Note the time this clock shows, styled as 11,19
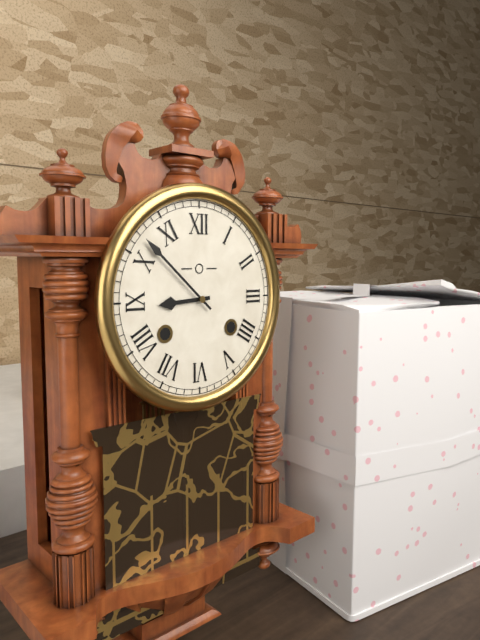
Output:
8,52
